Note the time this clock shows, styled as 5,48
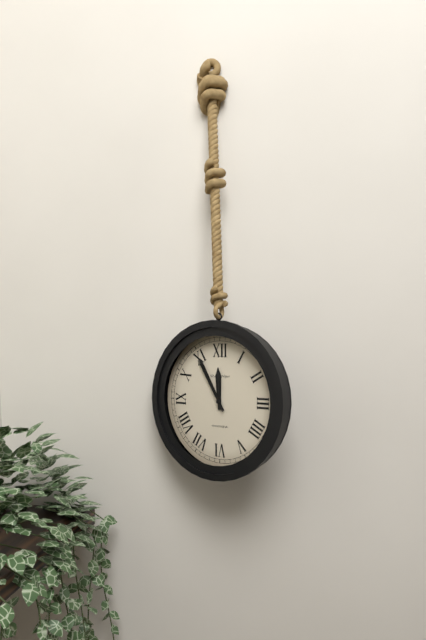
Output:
11,55
